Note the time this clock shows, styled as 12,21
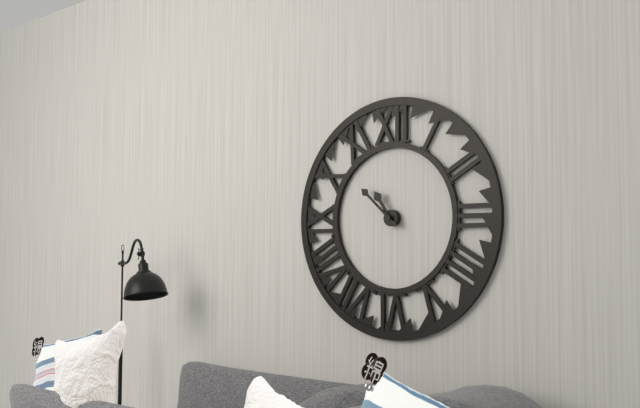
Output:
10,52
